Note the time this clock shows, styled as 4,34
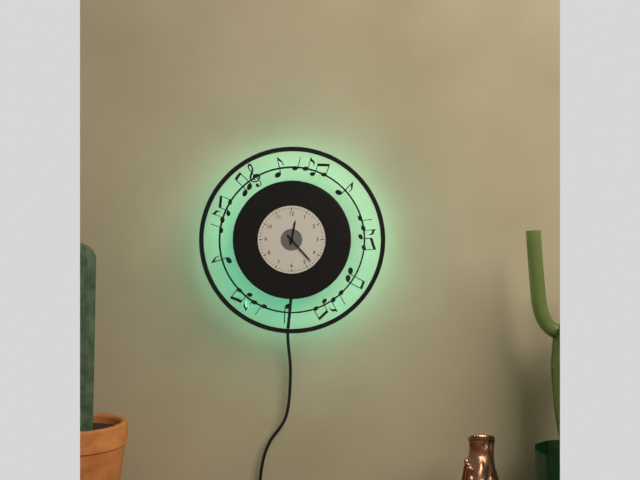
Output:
12,23
